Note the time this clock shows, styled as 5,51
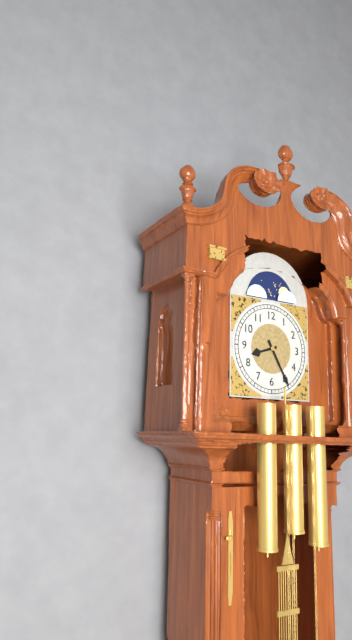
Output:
8,25
